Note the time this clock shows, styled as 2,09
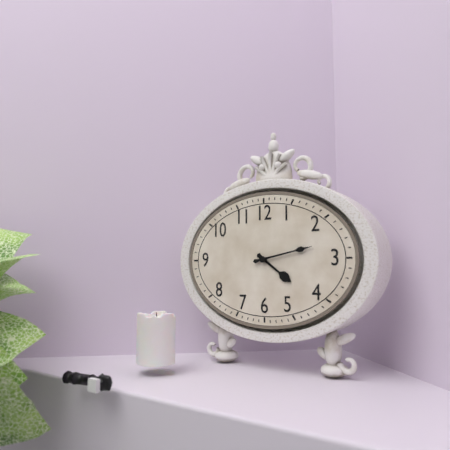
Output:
4,13
